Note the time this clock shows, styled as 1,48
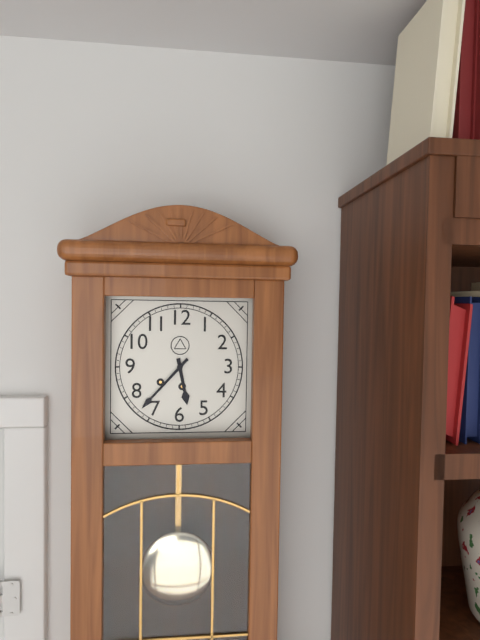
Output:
5,37
